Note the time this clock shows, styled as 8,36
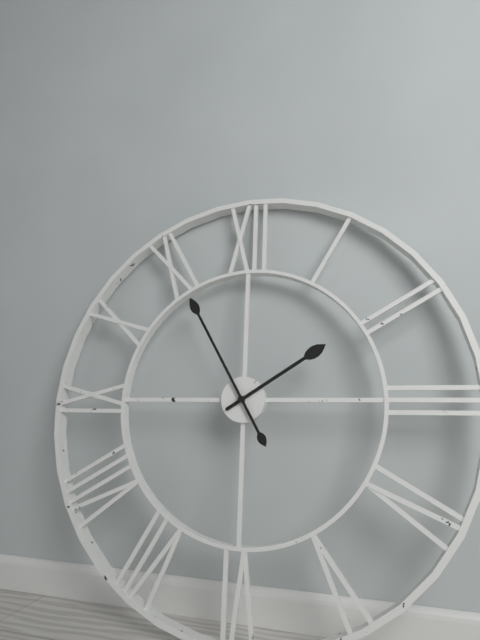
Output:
1,55
